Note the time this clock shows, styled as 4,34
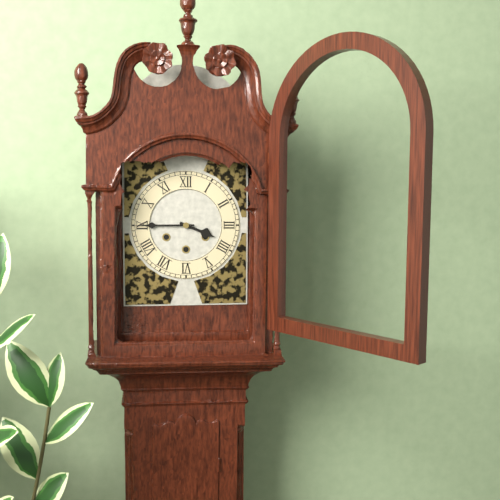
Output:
3,45
